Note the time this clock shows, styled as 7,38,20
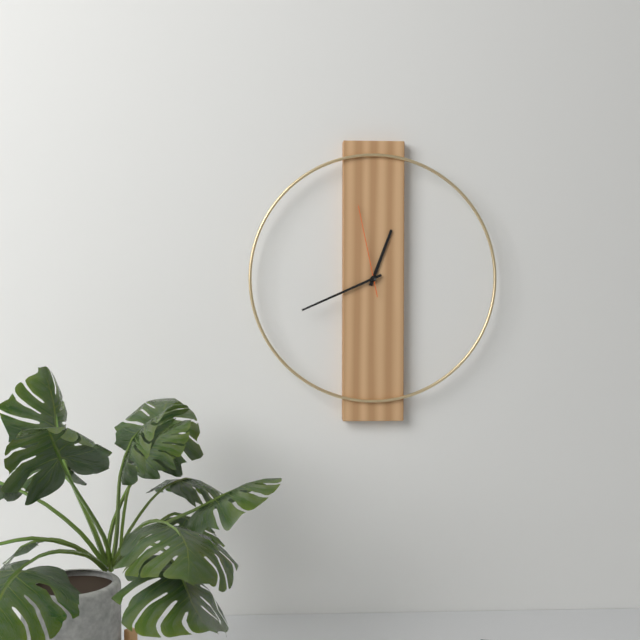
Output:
12,41,58
